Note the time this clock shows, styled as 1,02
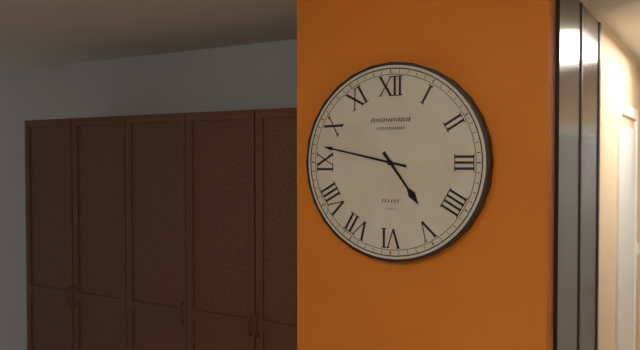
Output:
4,47
